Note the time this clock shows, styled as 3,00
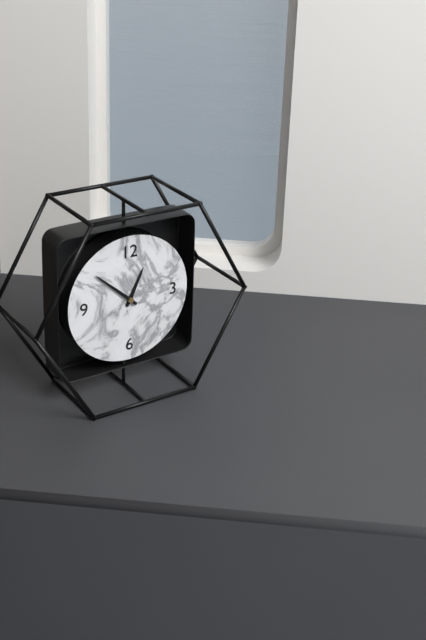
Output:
12,52
